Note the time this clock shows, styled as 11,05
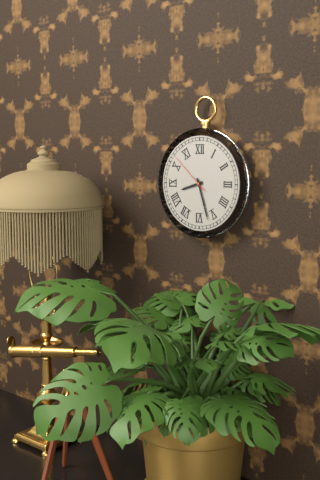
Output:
8,27
